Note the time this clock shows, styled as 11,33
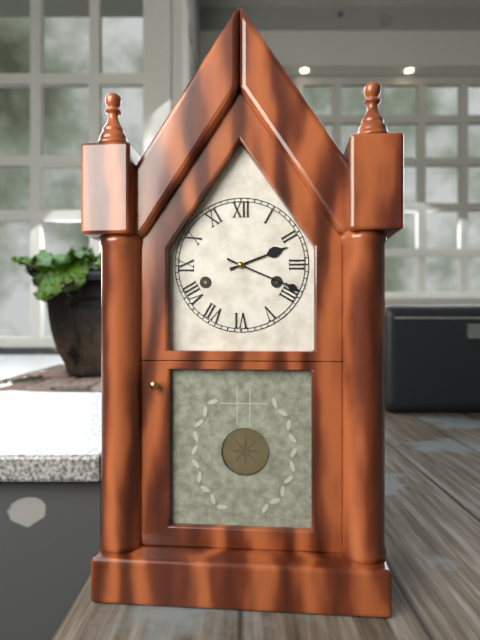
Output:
2,19
